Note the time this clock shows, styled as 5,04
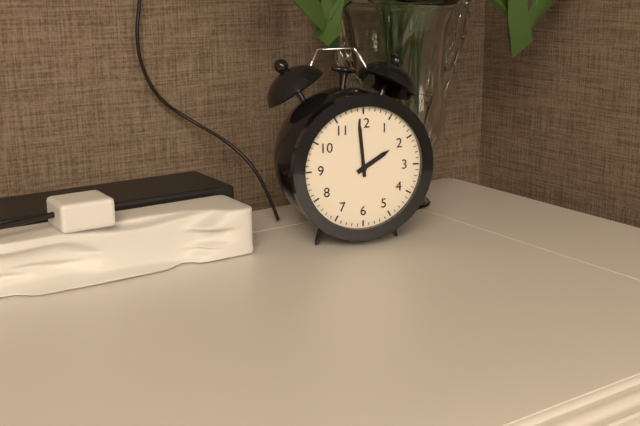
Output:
1,59
